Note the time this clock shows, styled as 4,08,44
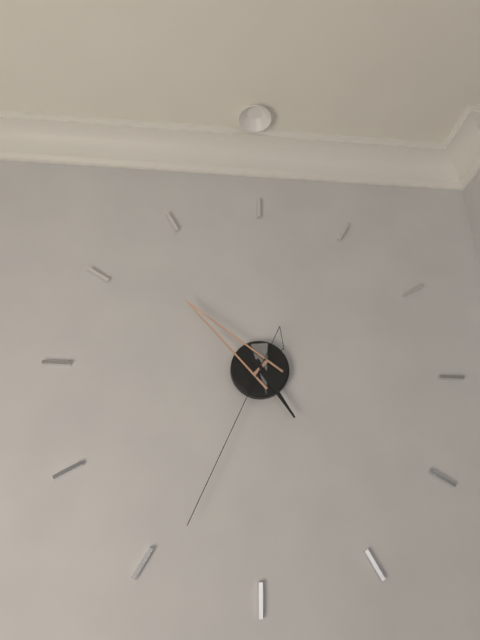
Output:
4,52,34
